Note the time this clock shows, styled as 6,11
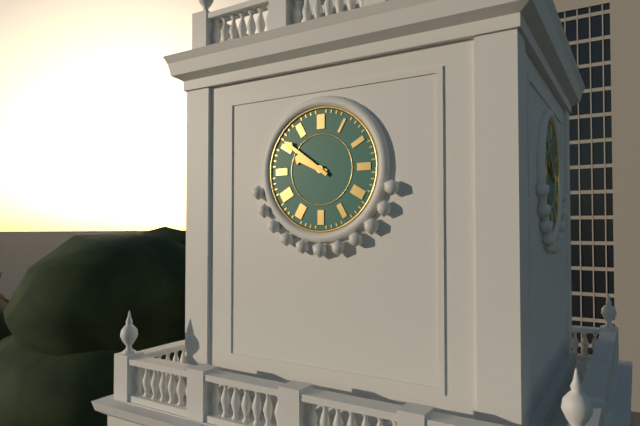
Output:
9,51
